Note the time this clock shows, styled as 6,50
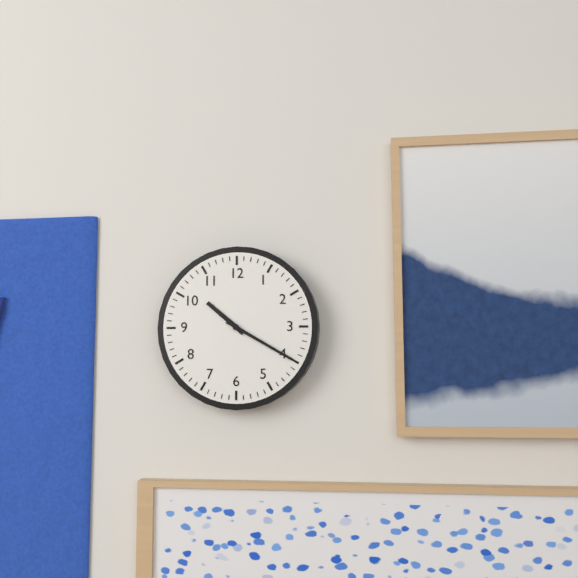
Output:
10,20
